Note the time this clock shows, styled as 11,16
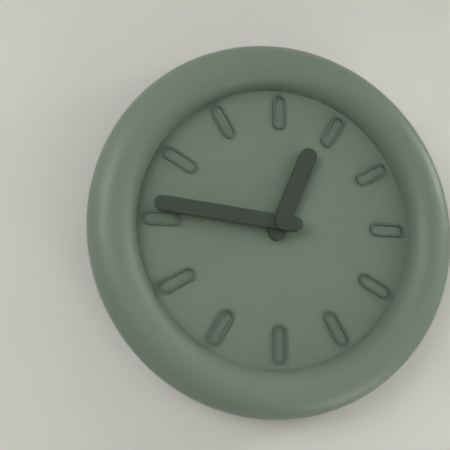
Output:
12,46
